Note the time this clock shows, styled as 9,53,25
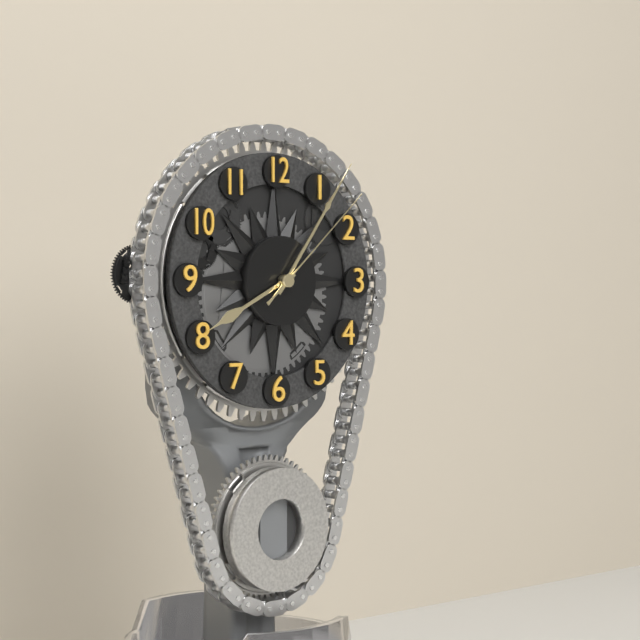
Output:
8,06,08
